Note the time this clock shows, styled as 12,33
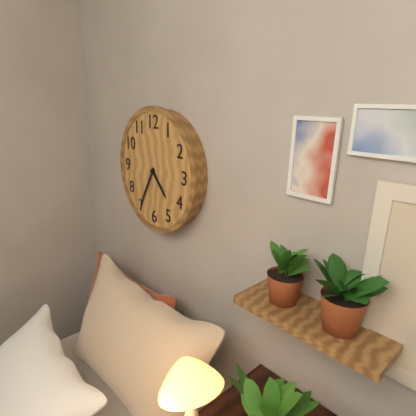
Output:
4,35
